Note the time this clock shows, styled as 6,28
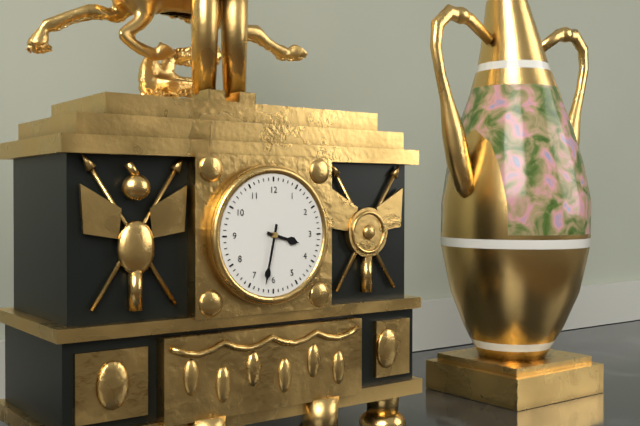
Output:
3,32
